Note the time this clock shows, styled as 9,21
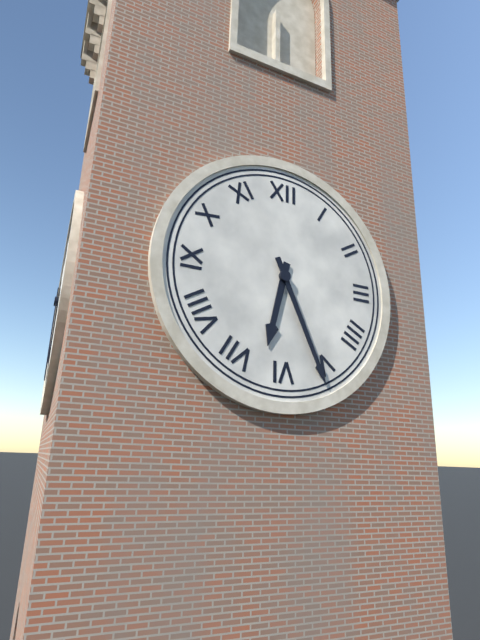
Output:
6,26
